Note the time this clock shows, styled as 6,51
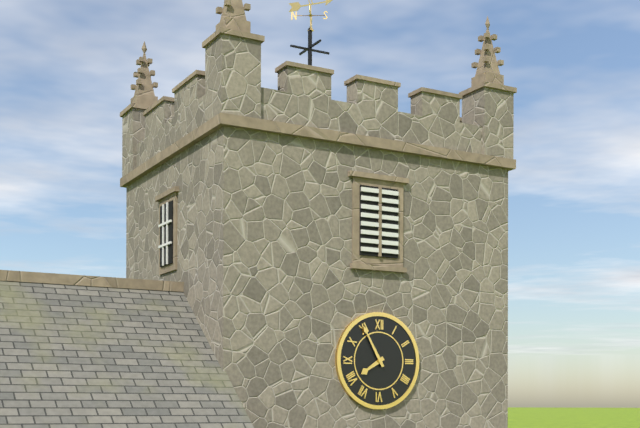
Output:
7,55
